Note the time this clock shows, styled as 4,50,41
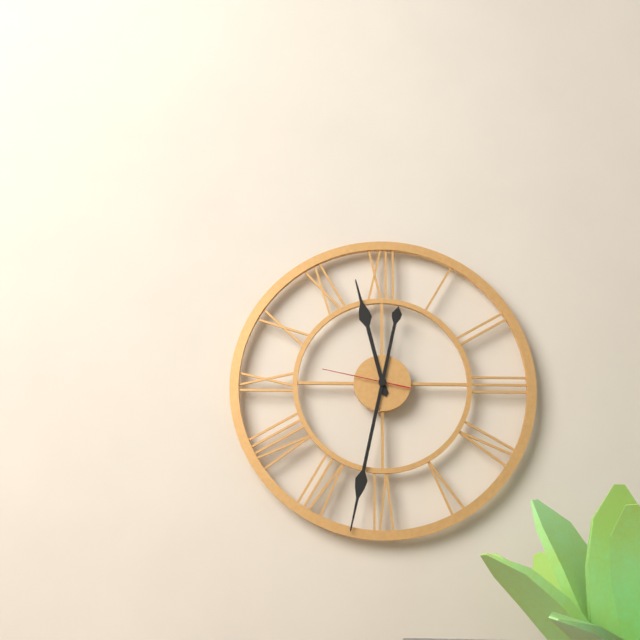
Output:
11,32,47
